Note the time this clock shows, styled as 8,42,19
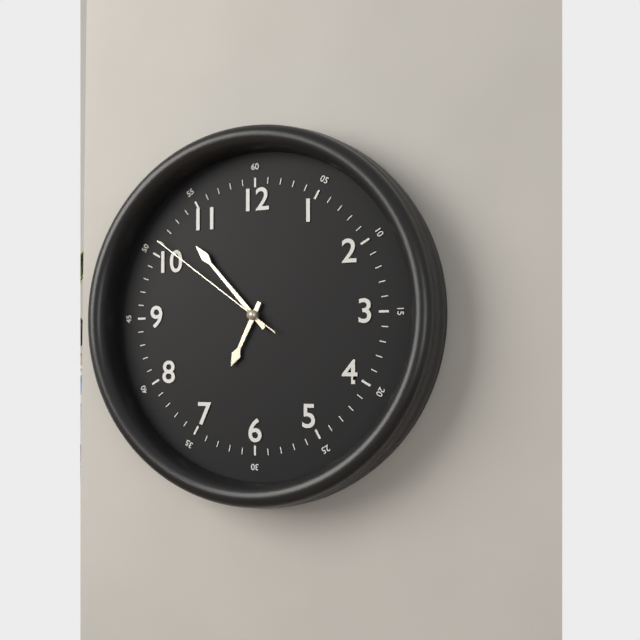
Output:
6,53,51
